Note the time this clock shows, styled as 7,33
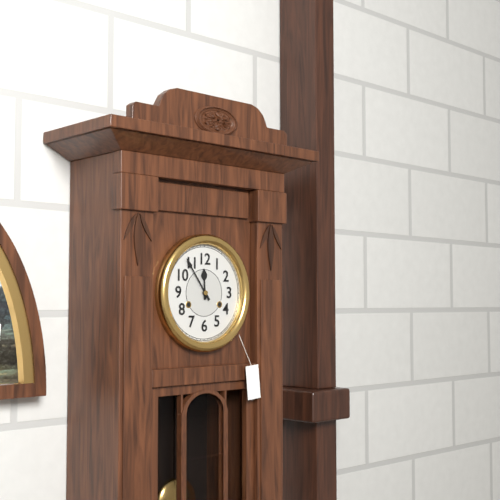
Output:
11,54
